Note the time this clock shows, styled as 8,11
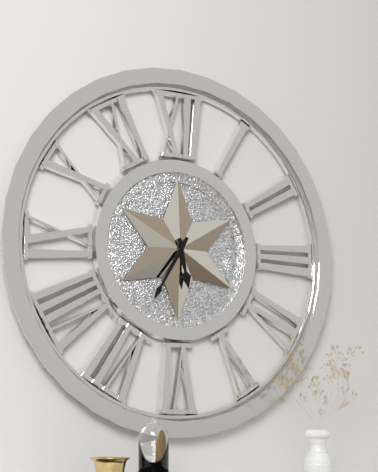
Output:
5,35
